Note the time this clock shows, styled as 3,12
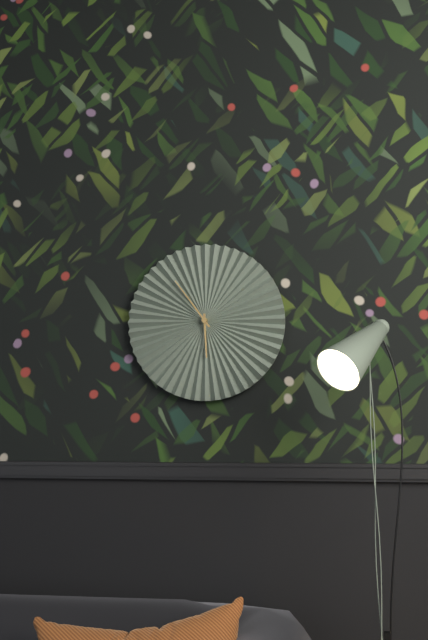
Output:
5,54
